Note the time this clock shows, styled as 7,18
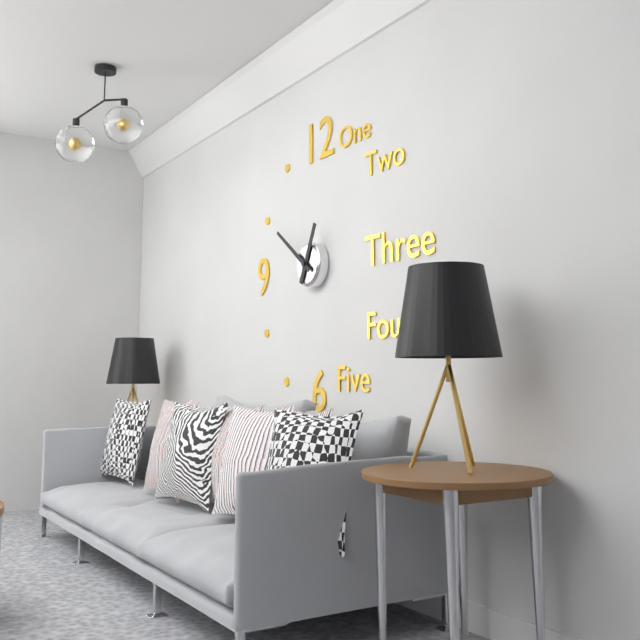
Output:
12,51
